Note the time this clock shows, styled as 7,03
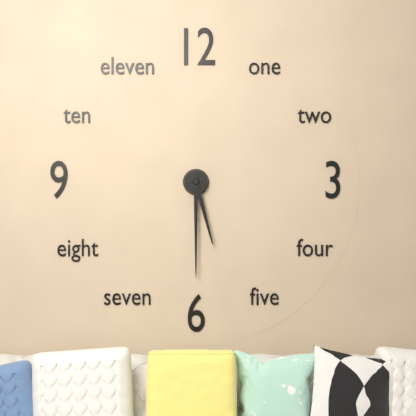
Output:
5,30
